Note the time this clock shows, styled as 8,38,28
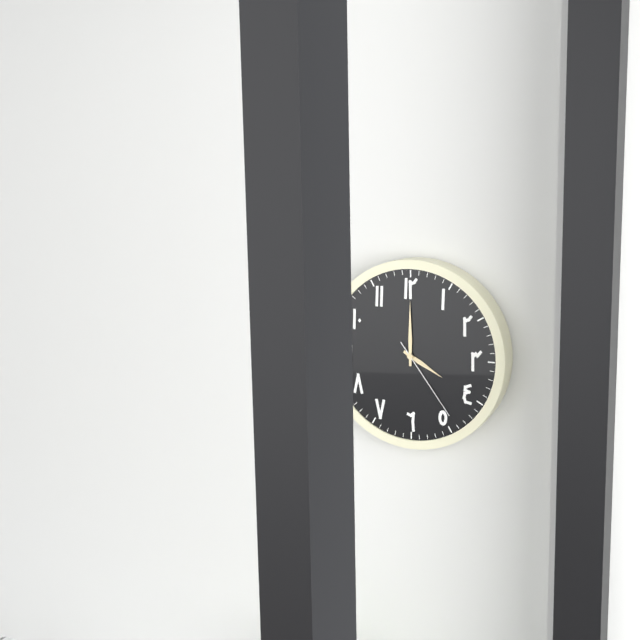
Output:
4,00,24
